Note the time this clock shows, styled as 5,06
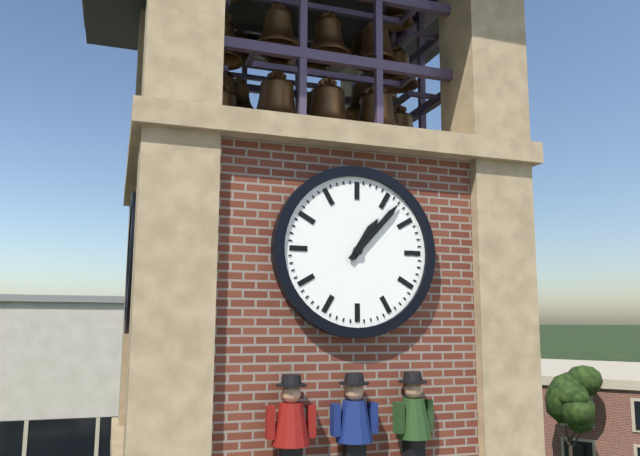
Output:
1,07
